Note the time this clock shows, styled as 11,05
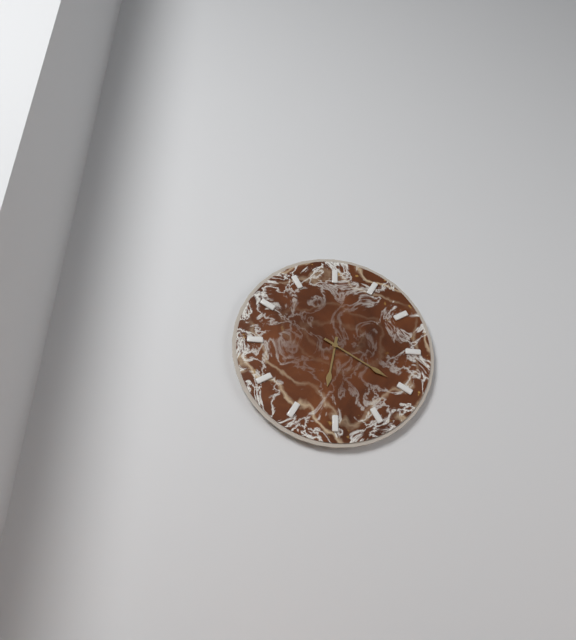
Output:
6,20
